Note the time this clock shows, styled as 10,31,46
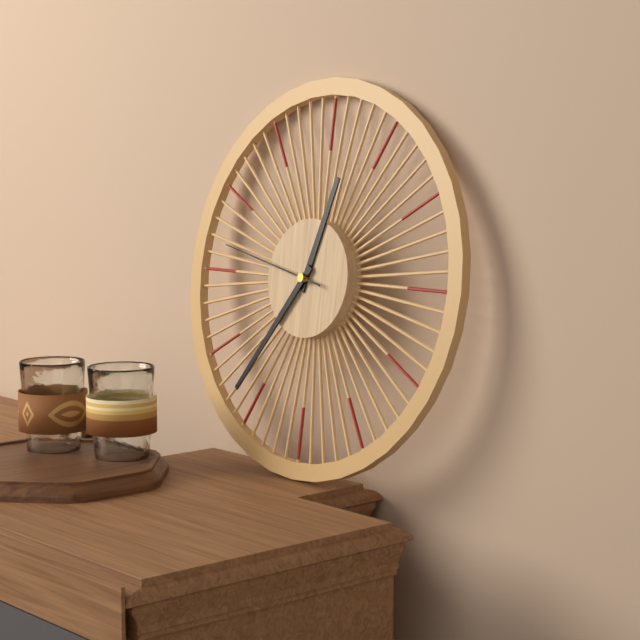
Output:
12,36,47
